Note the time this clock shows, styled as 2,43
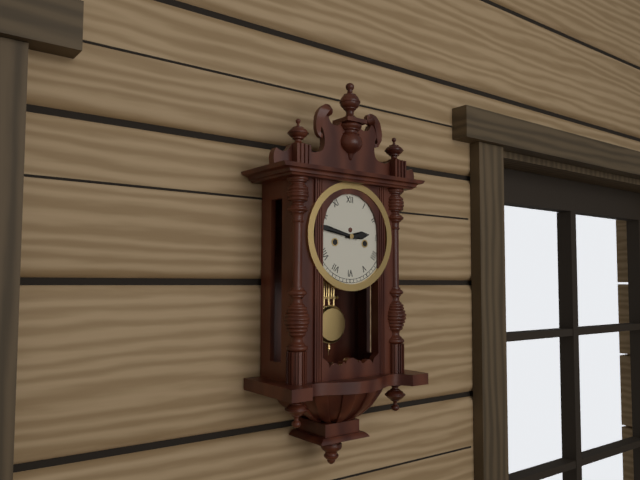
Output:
2,47
